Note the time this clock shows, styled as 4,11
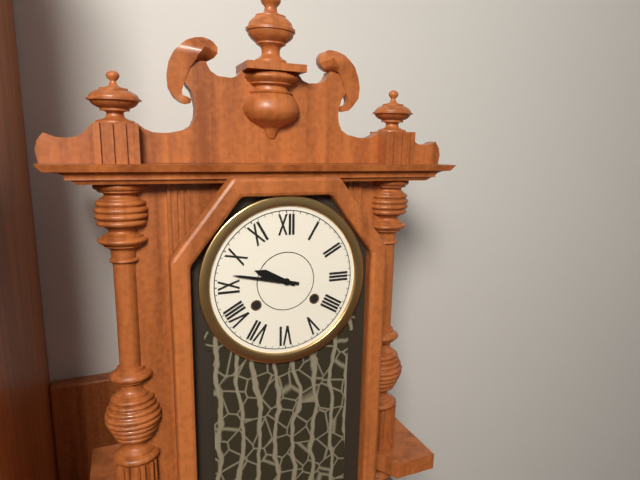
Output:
9,47
